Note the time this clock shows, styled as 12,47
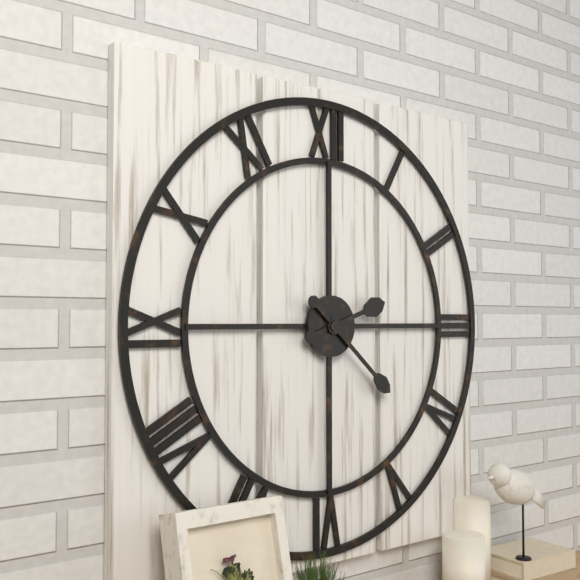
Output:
2,22
